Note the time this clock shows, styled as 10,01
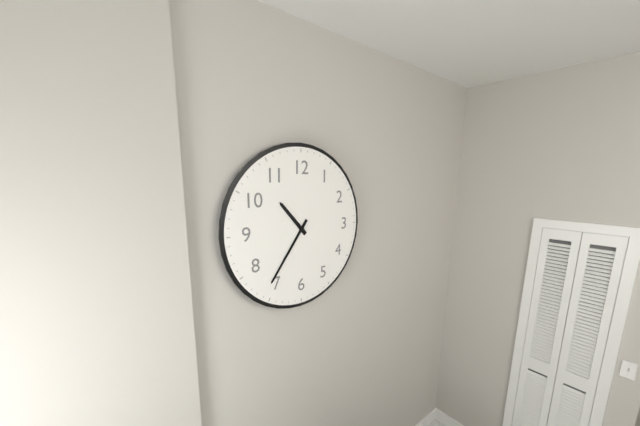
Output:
10,36
